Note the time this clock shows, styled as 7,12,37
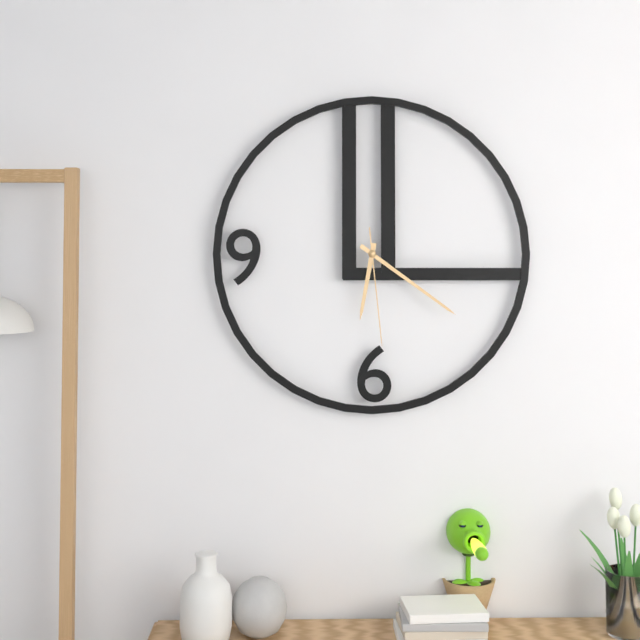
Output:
6,21,29
